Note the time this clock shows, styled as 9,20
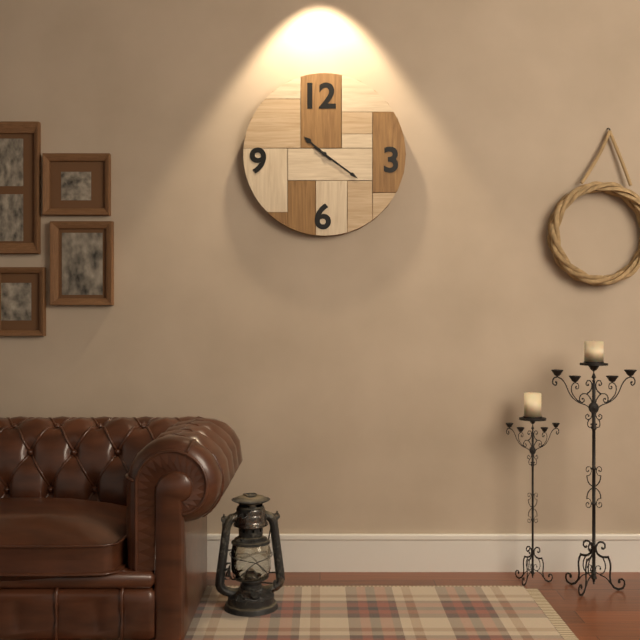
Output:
10,21
